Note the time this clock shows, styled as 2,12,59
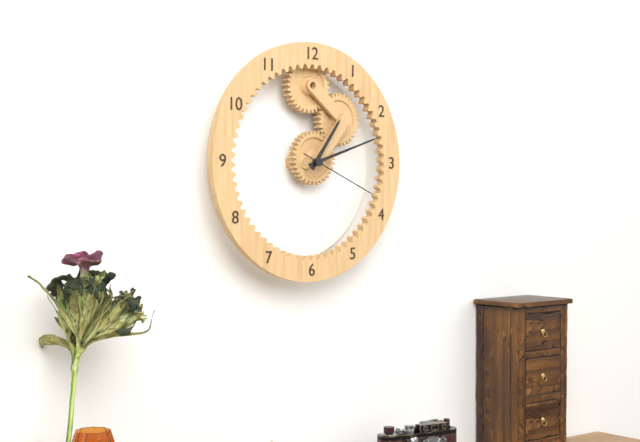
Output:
1,12,19
